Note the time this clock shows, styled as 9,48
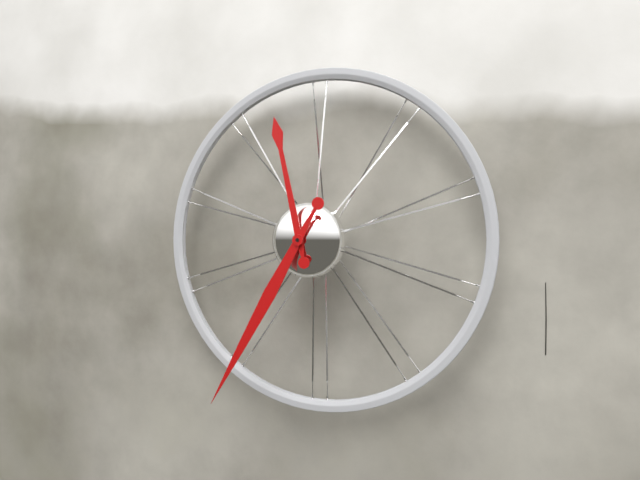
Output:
11,35
